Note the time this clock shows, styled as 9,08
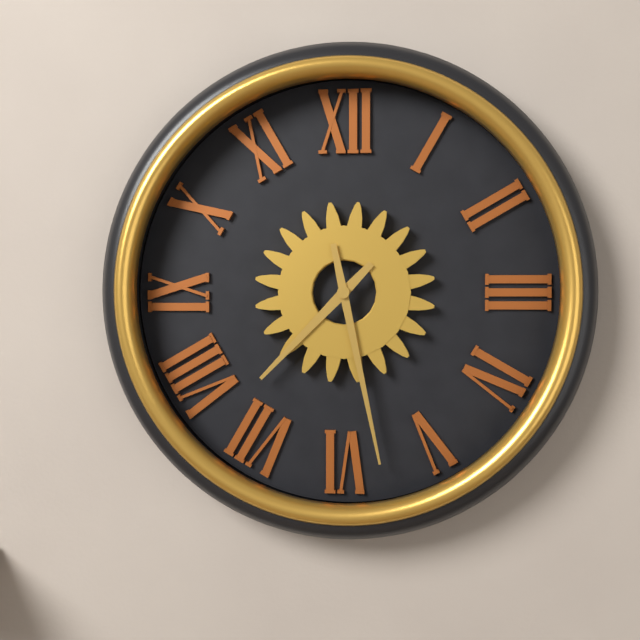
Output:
7,28
